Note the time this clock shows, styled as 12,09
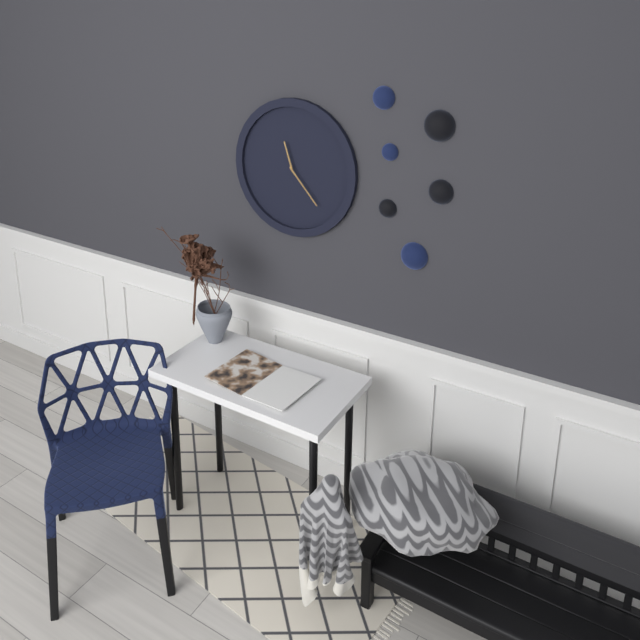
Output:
11,23
